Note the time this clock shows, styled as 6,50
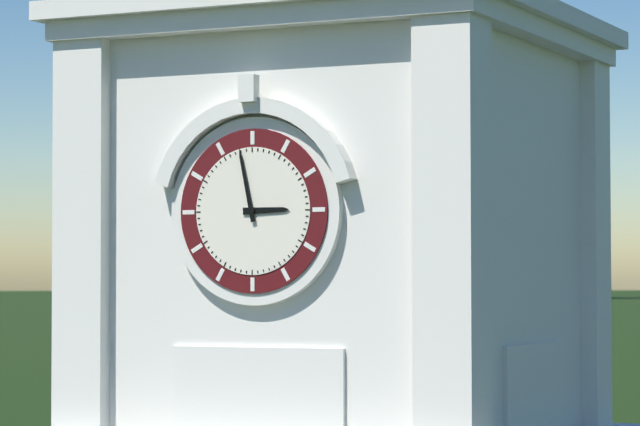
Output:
2,58
